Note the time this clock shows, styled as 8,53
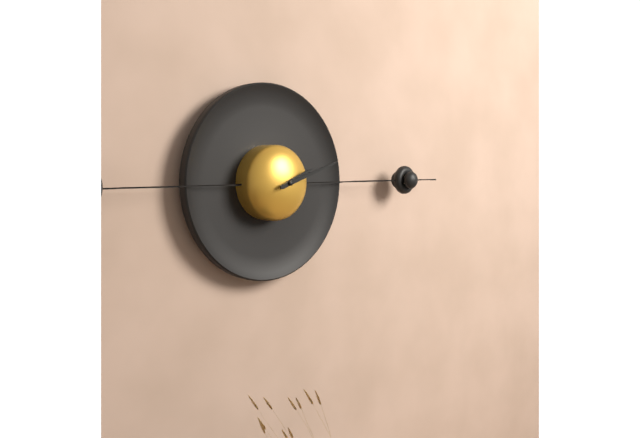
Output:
2,12
